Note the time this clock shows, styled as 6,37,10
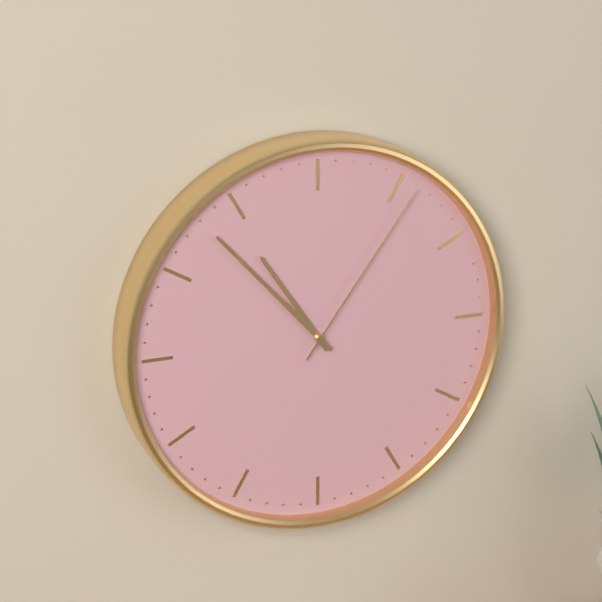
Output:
10,53,06
